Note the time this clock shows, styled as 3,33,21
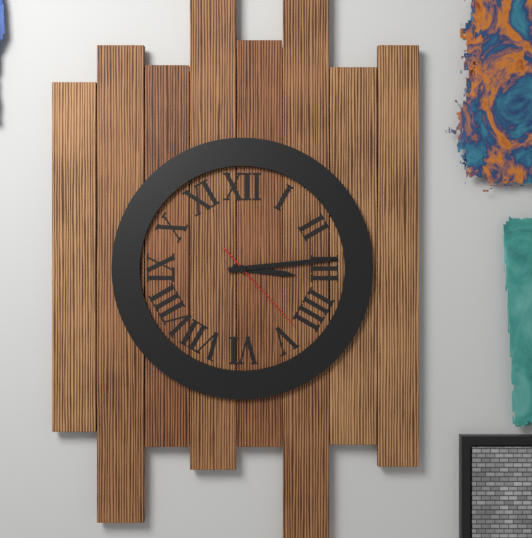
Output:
3,14,23
